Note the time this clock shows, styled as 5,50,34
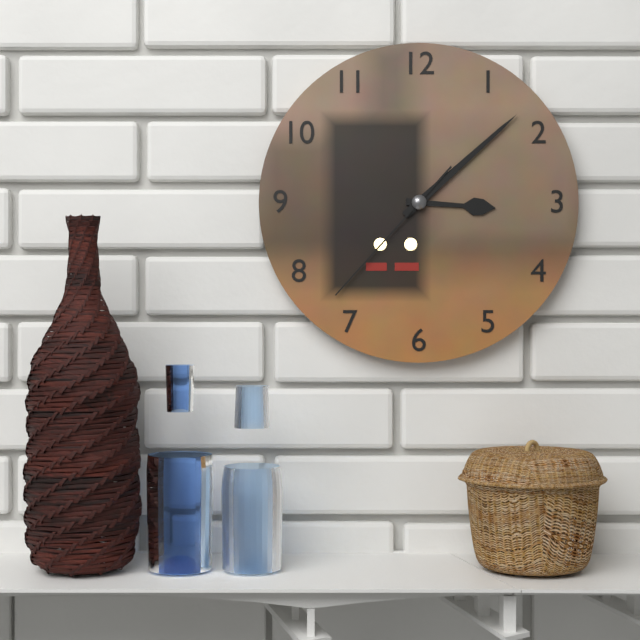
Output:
3,08,37
